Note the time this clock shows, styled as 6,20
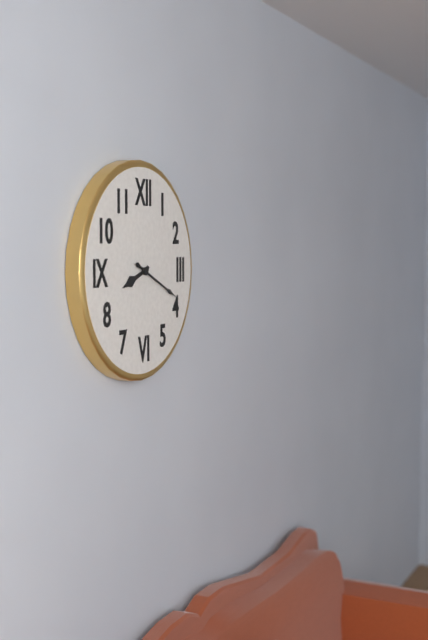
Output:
8,19
